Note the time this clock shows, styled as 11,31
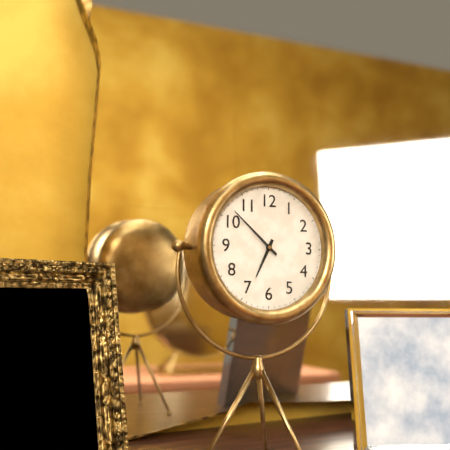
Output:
6,52
